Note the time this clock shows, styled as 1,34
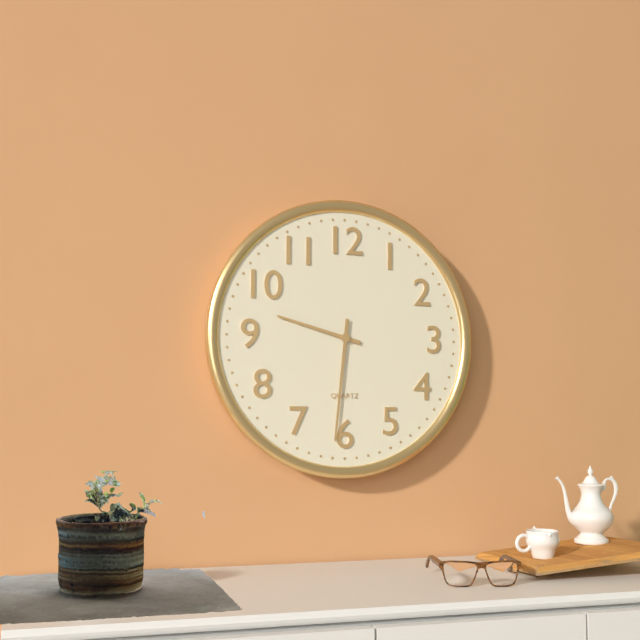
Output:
9,31
